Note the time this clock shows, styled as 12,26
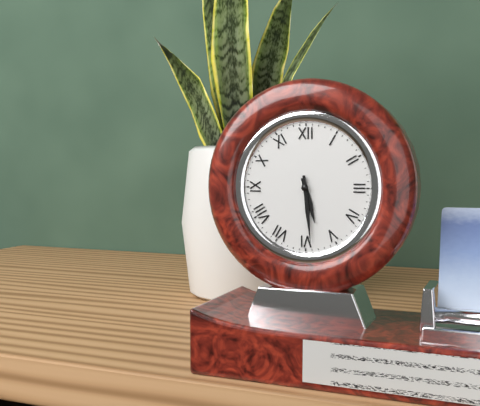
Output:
5,29
